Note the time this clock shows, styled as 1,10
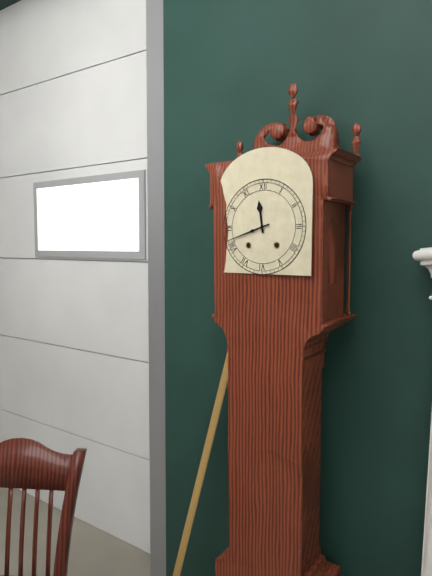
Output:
11,42
